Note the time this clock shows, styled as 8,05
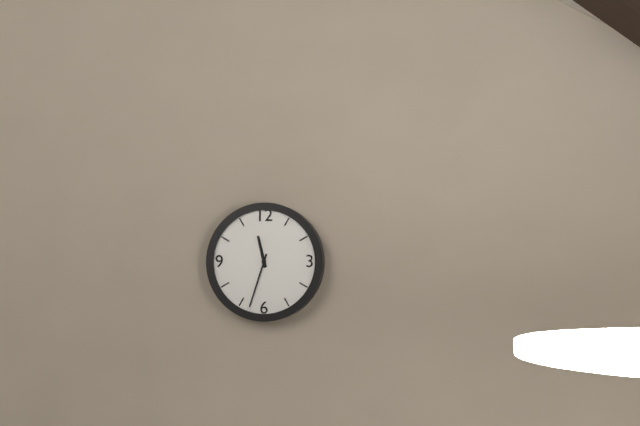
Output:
11,33
